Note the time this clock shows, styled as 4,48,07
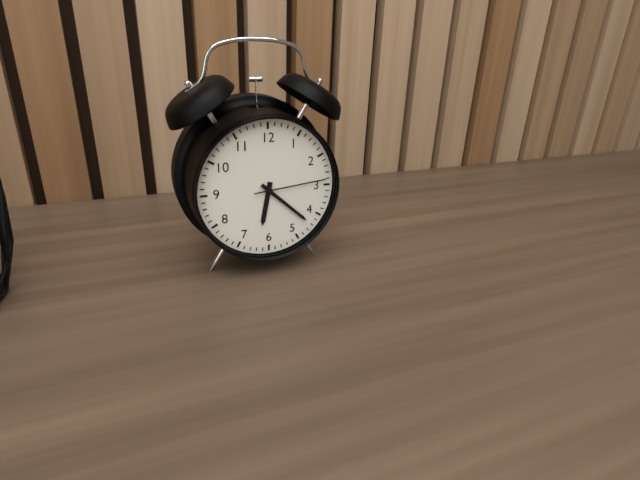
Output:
6,22,14
